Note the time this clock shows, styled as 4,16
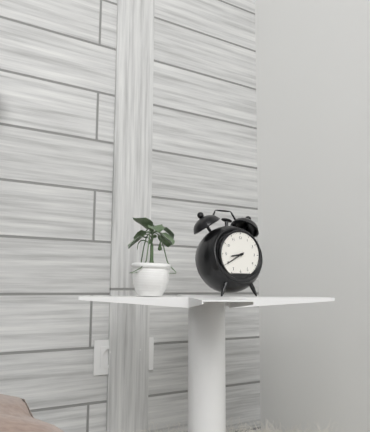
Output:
8,40
